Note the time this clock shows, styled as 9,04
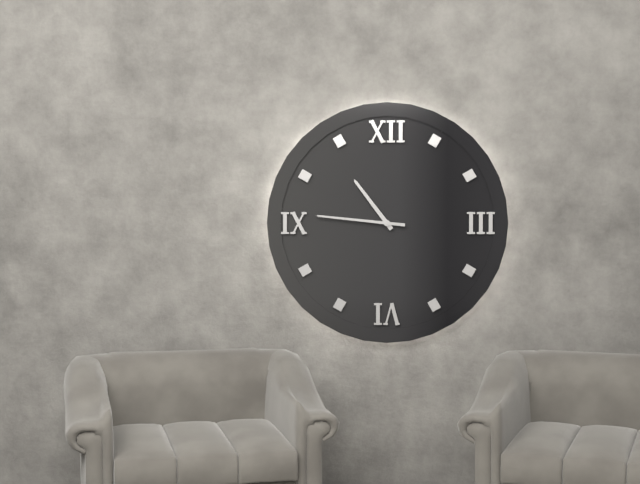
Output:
10,46
